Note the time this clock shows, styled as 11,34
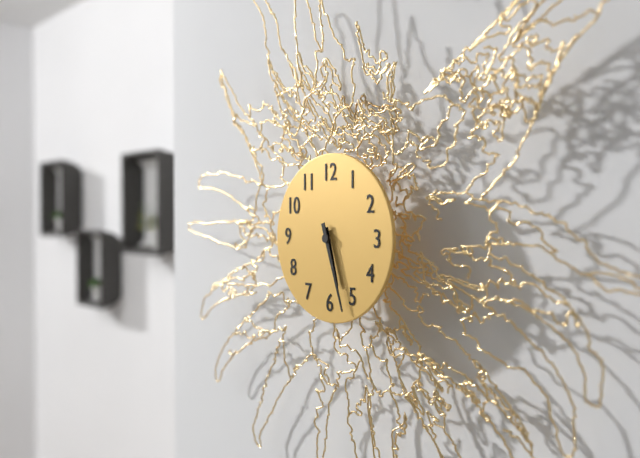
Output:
5,27
